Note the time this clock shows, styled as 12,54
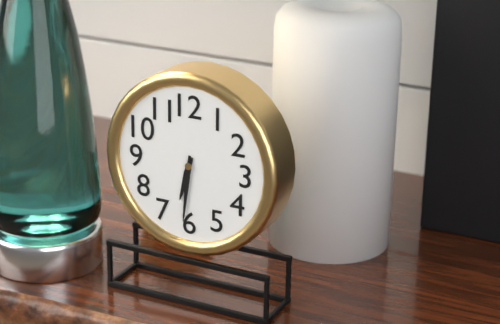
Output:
6,31
